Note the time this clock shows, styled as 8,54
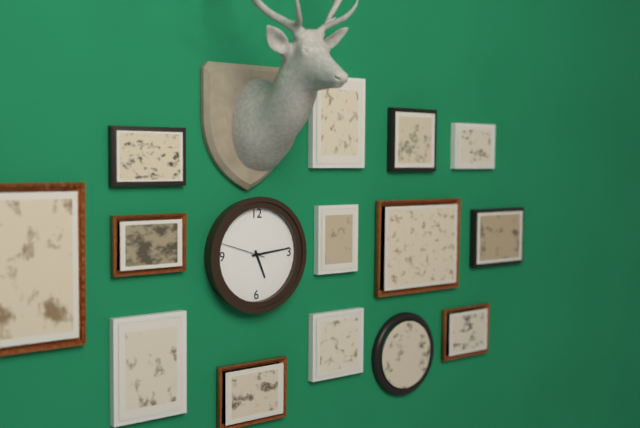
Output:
5,14
